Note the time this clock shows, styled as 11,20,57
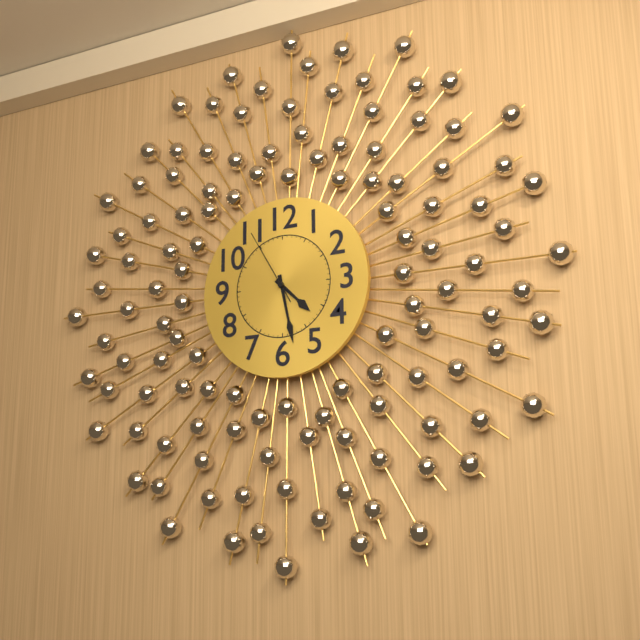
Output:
4,28,55
